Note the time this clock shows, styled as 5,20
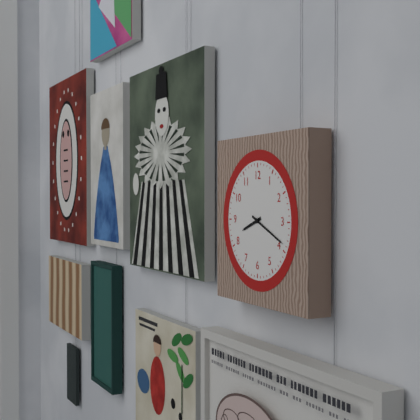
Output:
8,19
